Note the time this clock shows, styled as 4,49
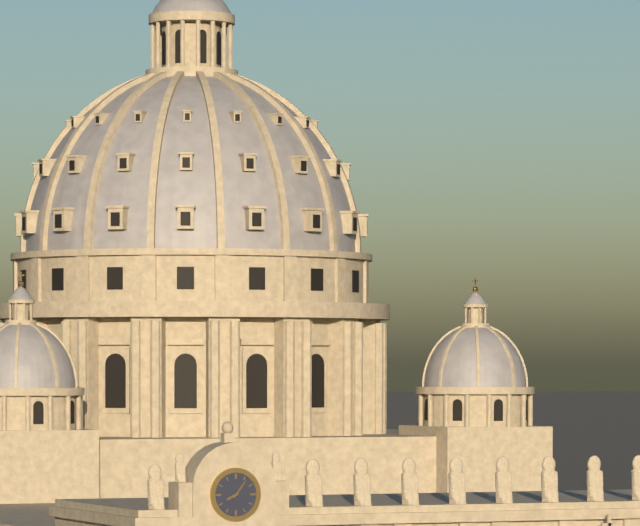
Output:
8,06
